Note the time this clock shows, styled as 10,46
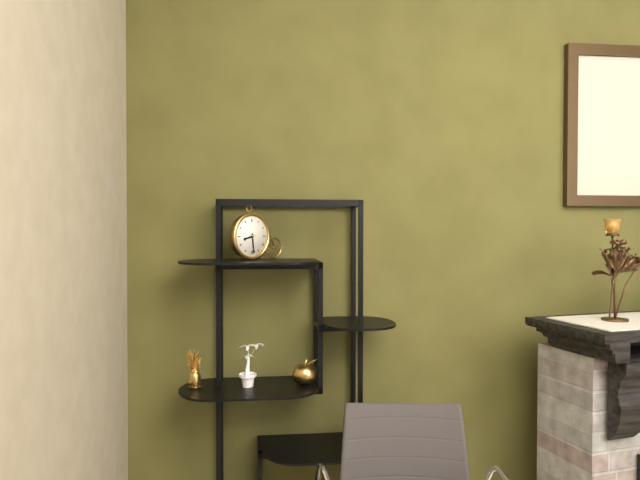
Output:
8,29
